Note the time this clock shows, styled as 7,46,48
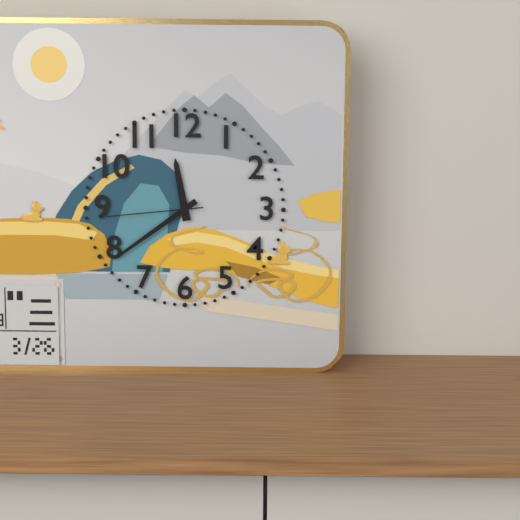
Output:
11,39,44
